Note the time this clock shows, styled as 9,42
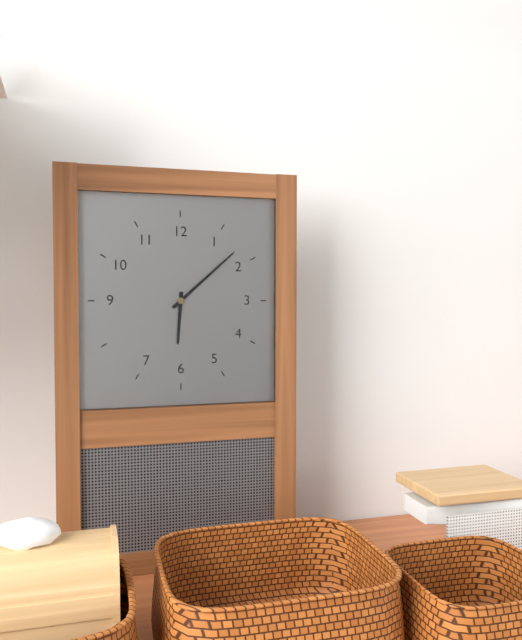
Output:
6,08
